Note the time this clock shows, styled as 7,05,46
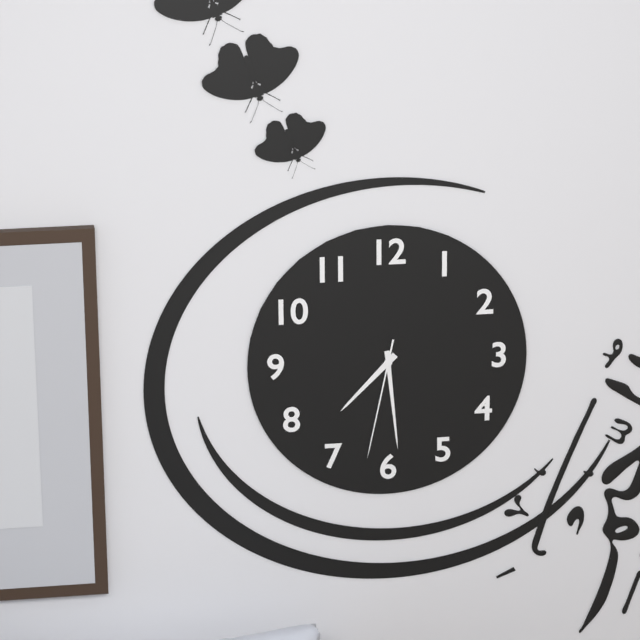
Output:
7,29,32
